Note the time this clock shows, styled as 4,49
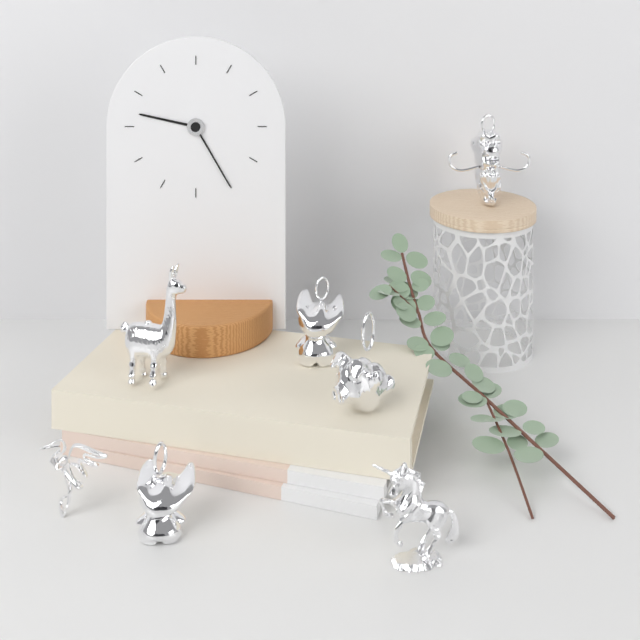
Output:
9,25
